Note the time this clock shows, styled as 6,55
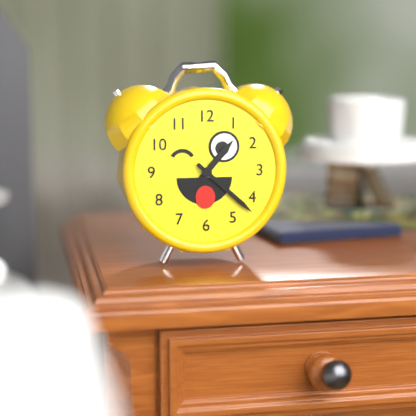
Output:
1,22
